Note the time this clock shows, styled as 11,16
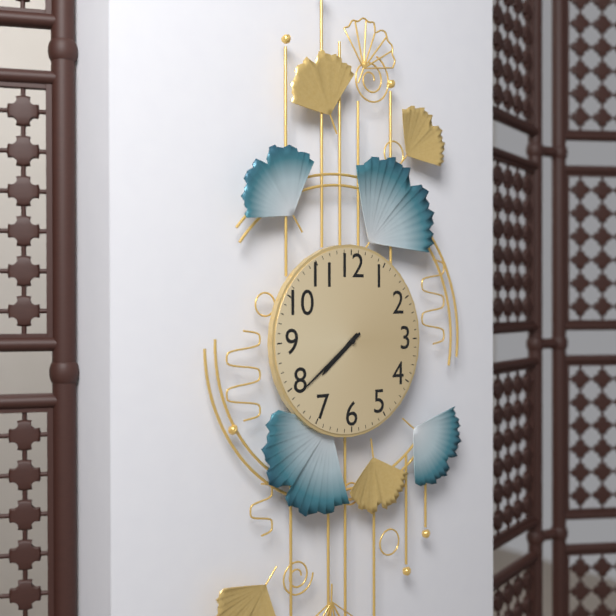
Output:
7,39
